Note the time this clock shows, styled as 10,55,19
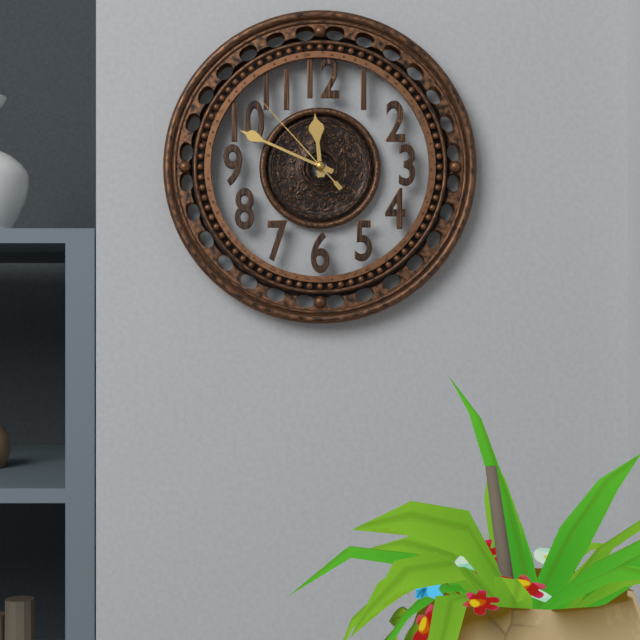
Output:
11,49,53
